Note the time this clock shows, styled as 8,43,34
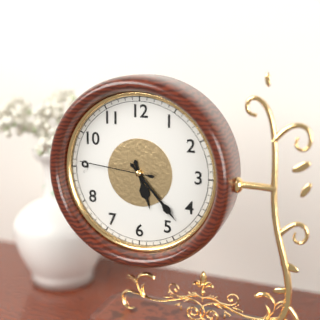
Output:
5,23,46
